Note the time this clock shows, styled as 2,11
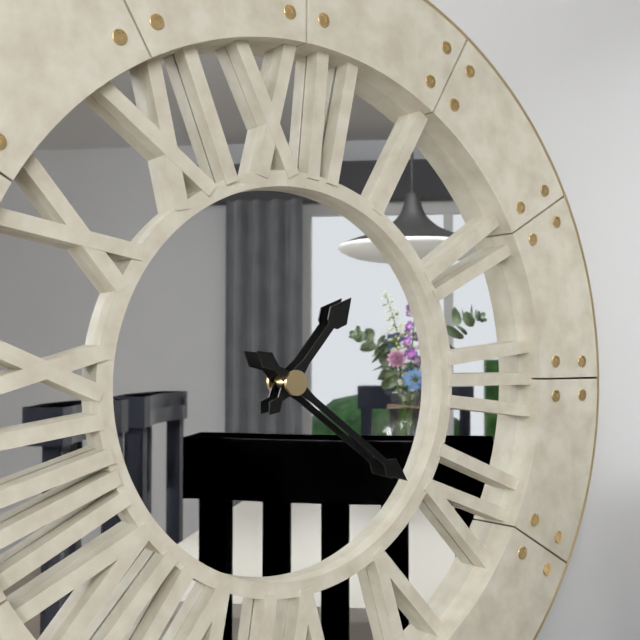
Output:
1,21
